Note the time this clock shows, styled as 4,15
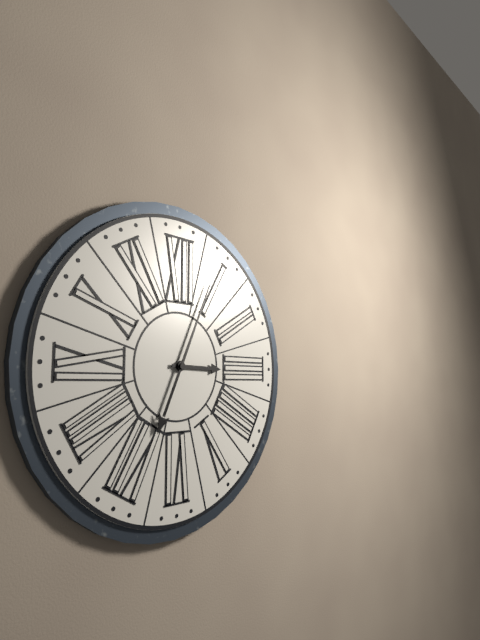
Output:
3,04
